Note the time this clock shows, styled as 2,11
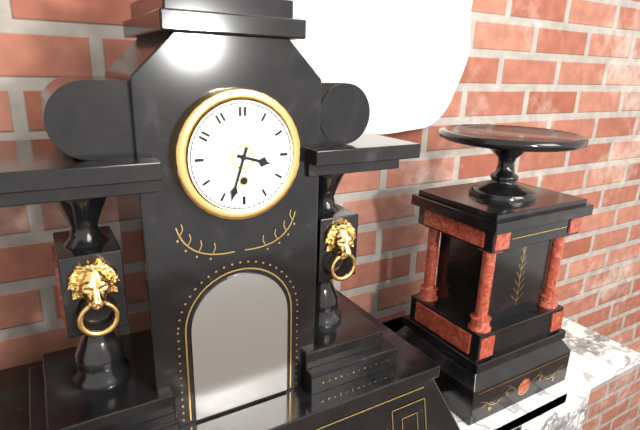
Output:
3,33
